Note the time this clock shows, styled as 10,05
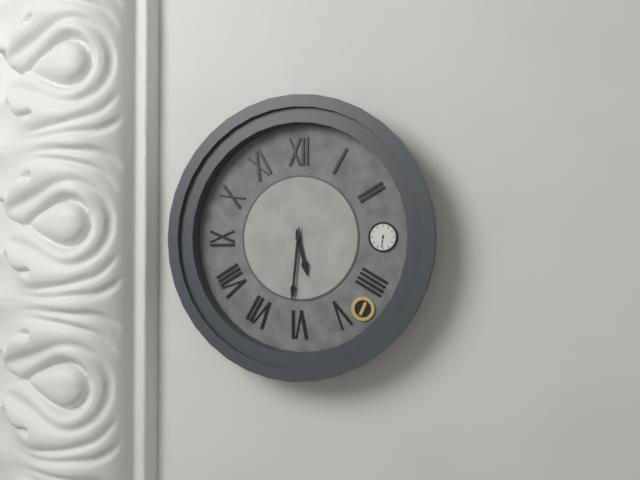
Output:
5,31
